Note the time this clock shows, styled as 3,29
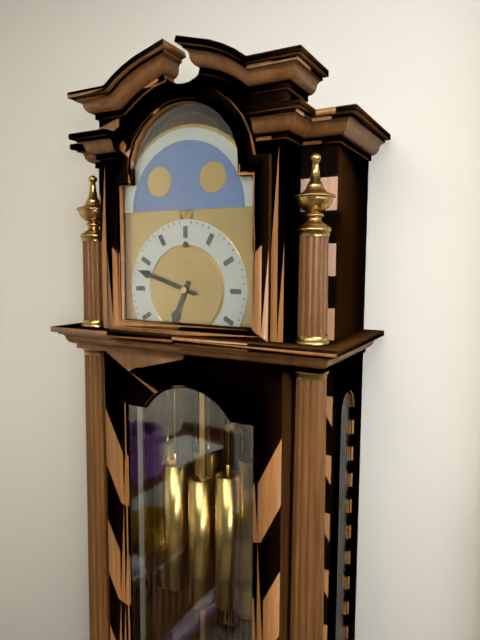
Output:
6,48
